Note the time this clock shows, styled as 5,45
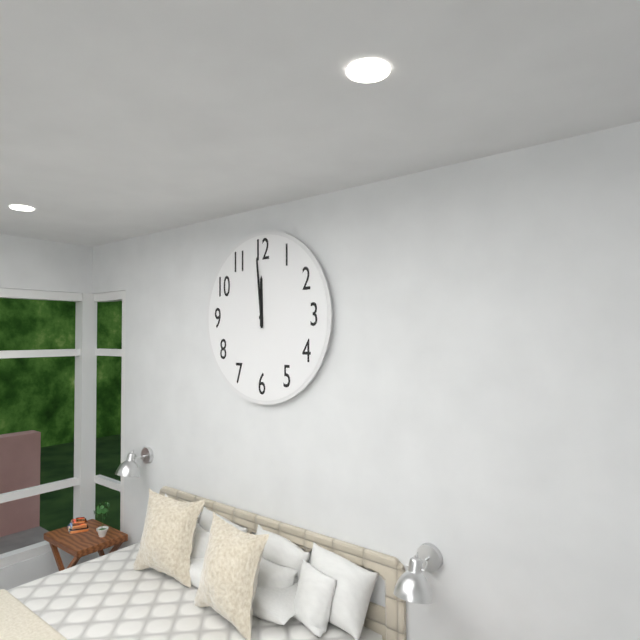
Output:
11,59
